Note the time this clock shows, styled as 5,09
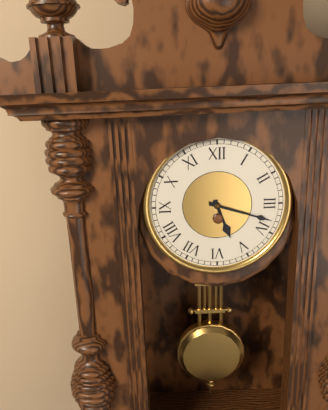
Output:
5,18
